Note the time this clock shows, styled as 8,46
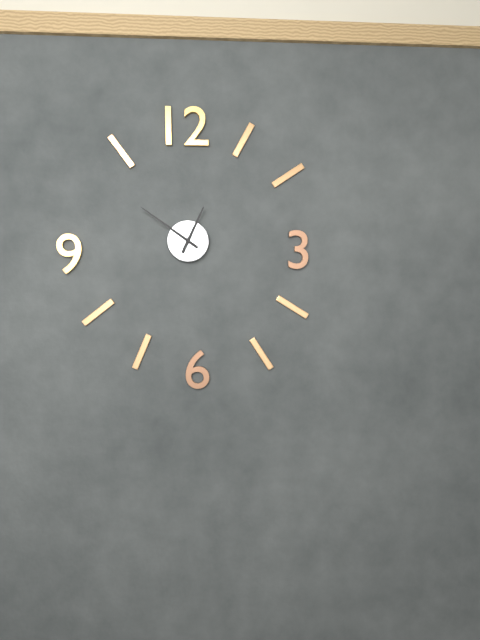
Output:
12,51
